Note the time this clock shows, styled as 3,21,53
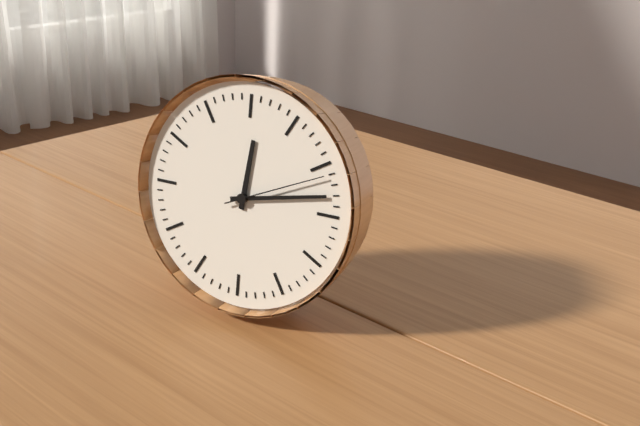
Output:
12,13,11
